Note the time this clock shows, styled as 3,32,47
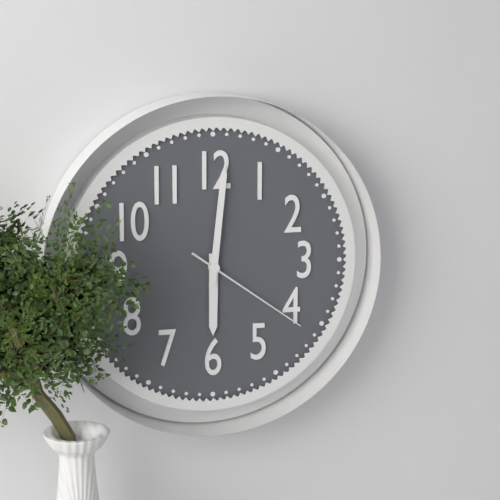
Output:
6,01,21
